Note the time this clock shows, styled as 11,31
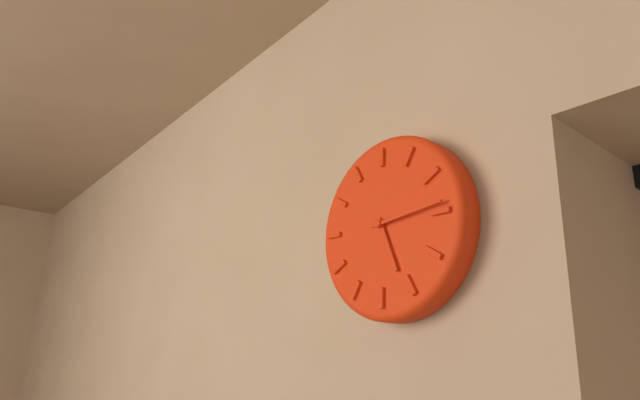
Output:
5,14
